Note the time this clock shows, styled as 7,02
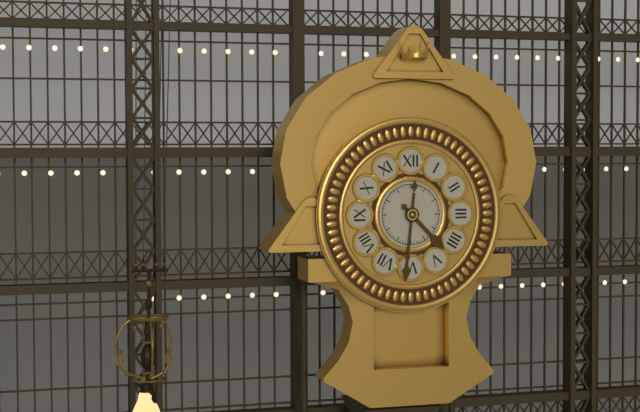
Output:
4,31
